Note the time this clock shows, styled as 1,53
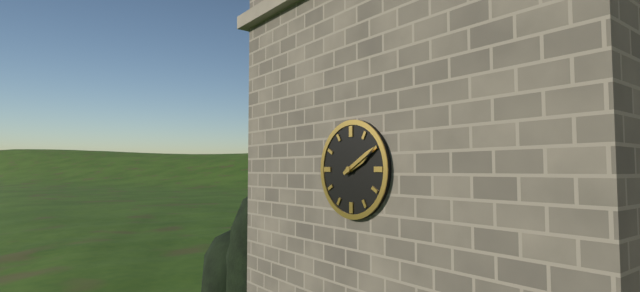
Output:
2,10
